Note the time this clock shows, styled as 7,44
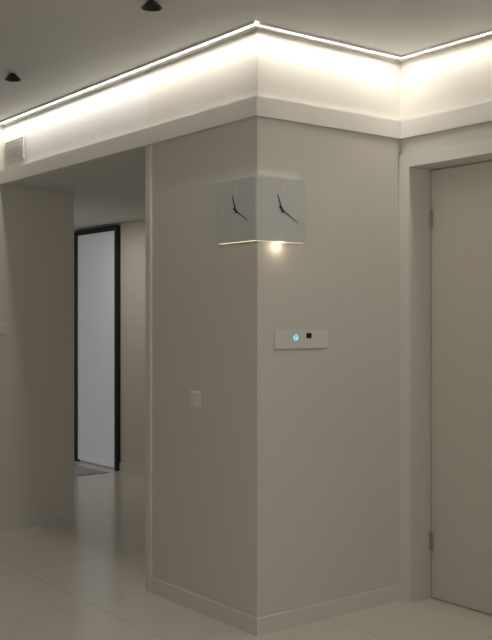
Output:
11,20
